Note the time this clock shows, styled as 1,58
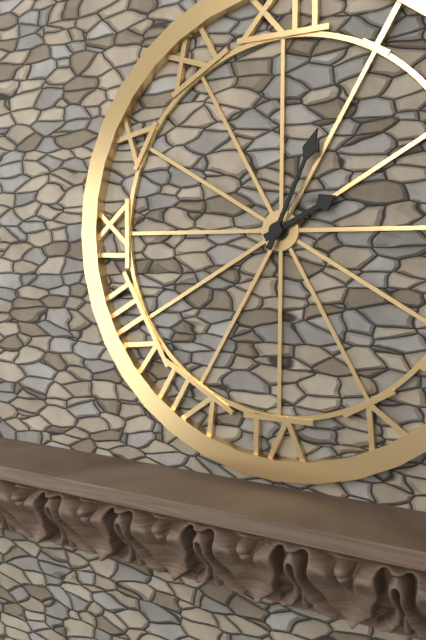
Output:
2,04
